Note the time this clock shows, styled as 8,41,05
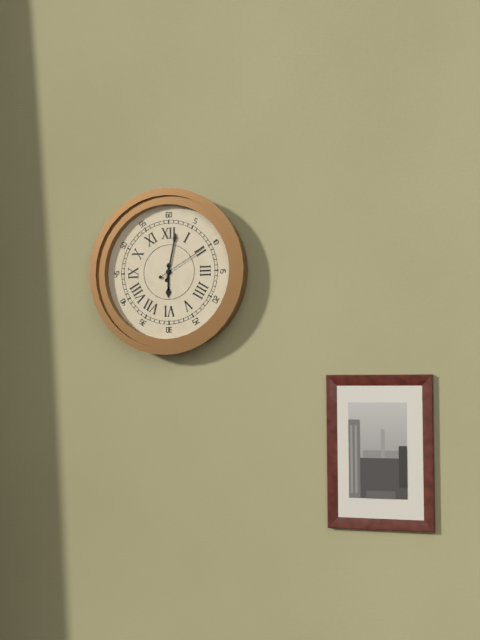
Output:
6,02,10
